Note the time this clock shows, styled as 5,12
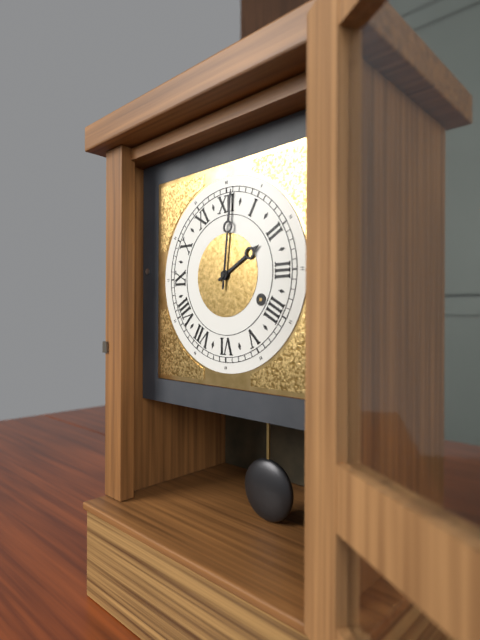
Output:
2,01
